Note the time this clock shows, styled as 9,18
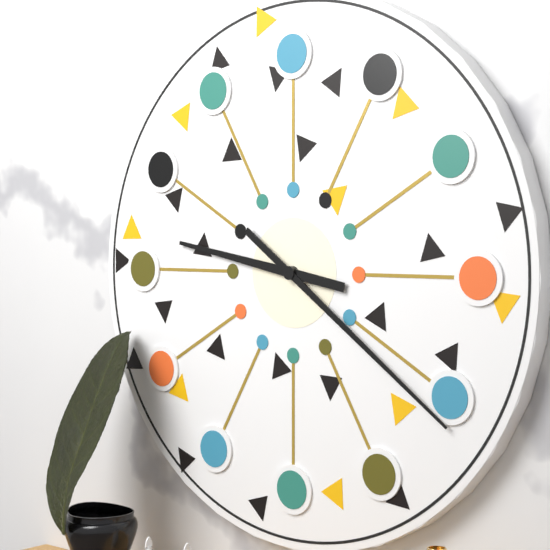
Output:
9,21
